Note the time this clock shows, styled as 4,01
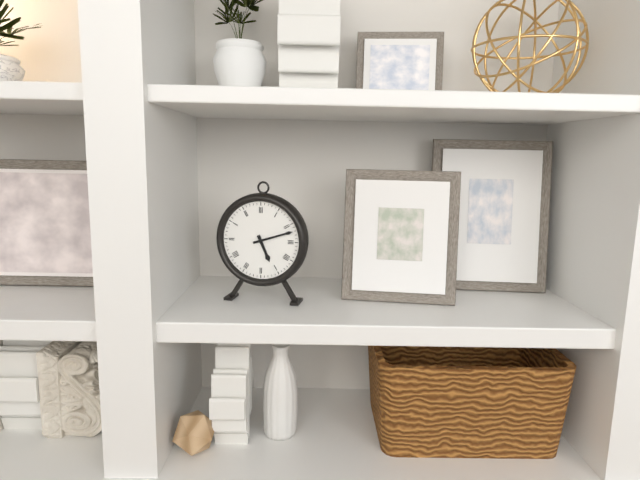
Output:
5,12
